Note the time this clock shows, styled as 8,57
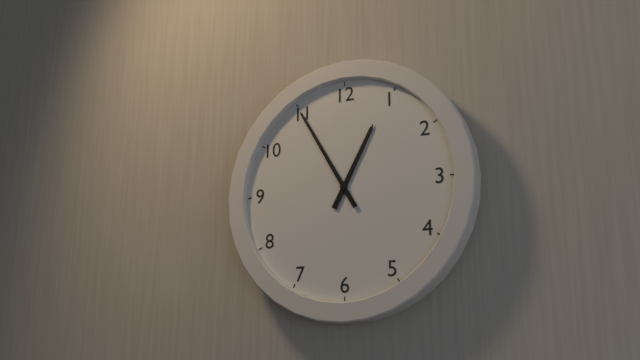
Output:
12,55
